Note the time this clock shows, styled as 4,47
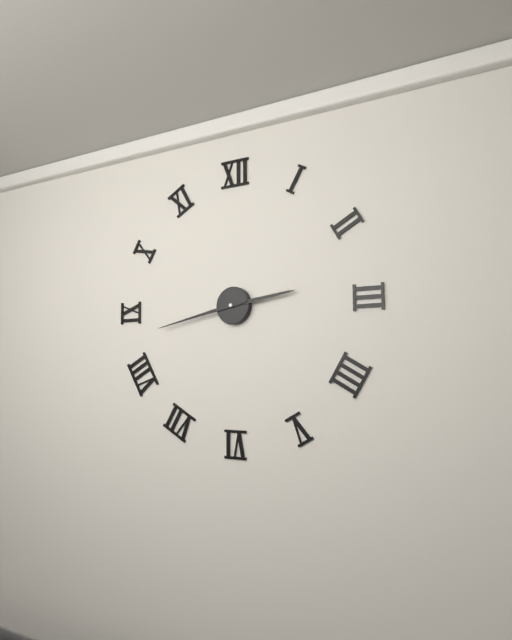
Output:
2,43
